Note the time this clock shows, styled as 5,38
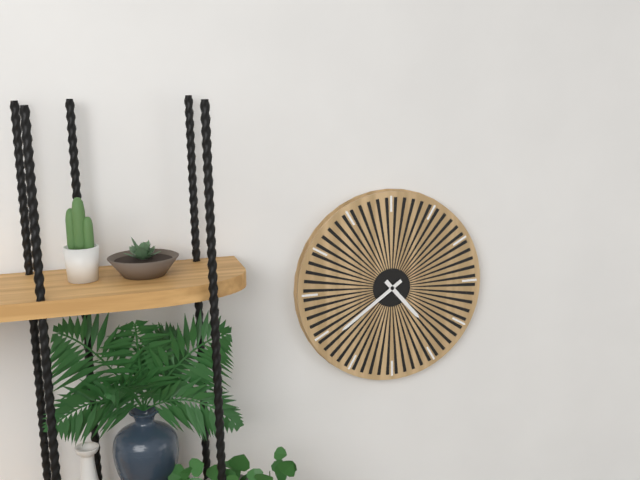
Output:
4,39
